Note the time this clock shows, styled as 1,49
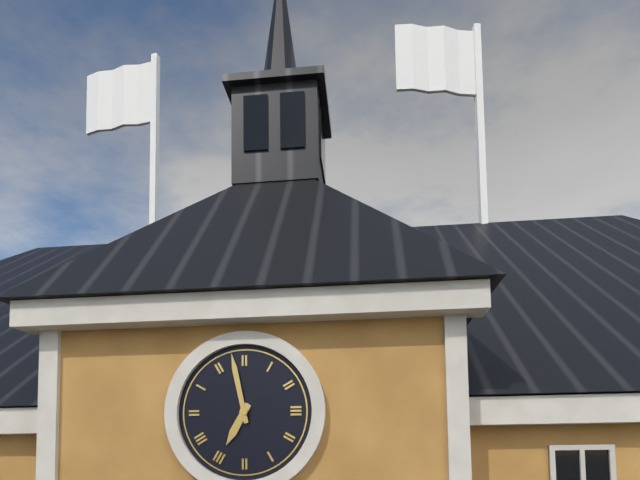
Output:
6,58
